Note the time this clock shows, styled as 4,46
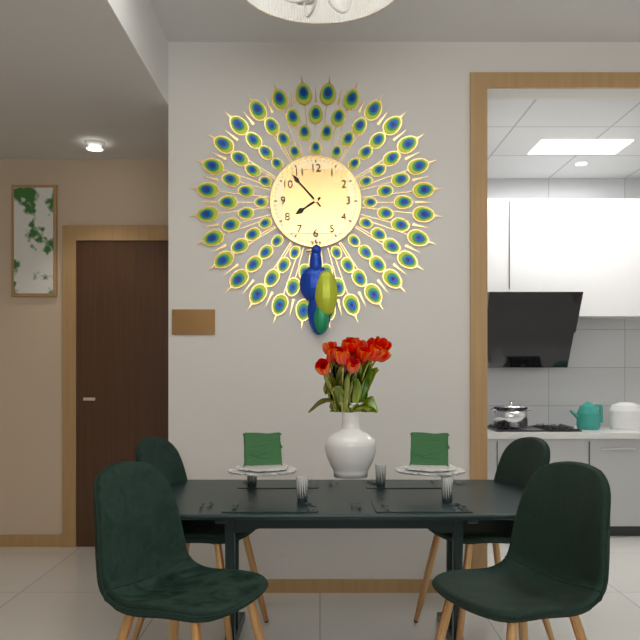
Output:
7,53
